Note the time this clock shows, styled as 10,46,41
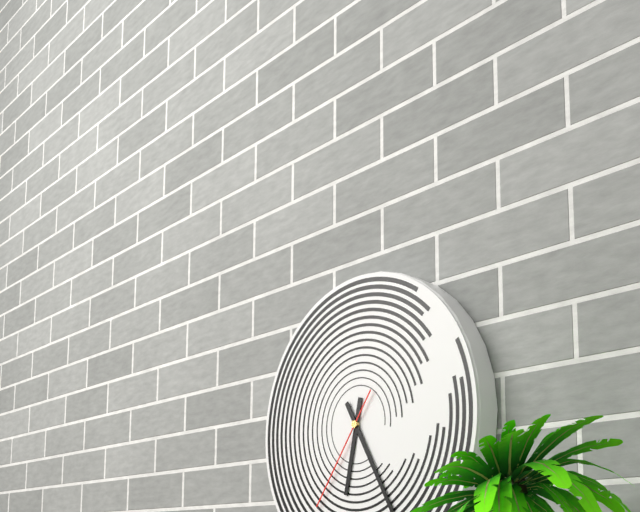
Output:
6,25,36
